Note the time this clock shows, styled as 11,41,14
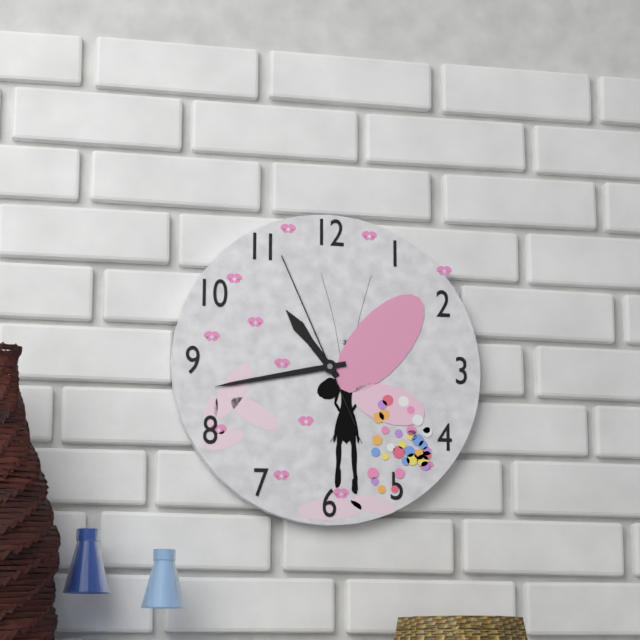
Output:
10,43,56
